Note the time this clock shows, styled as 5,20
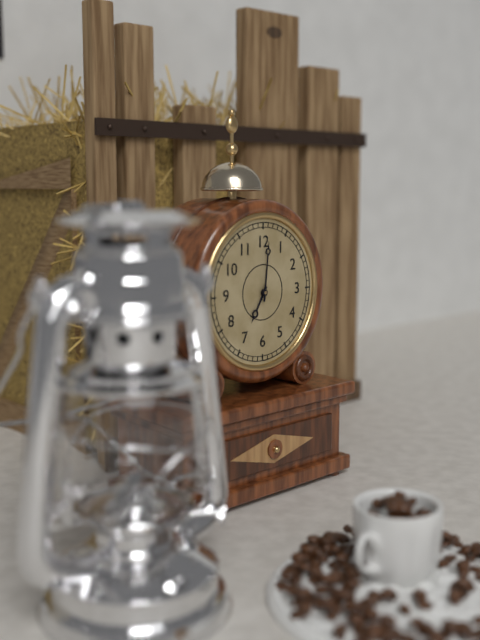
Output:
7,01
